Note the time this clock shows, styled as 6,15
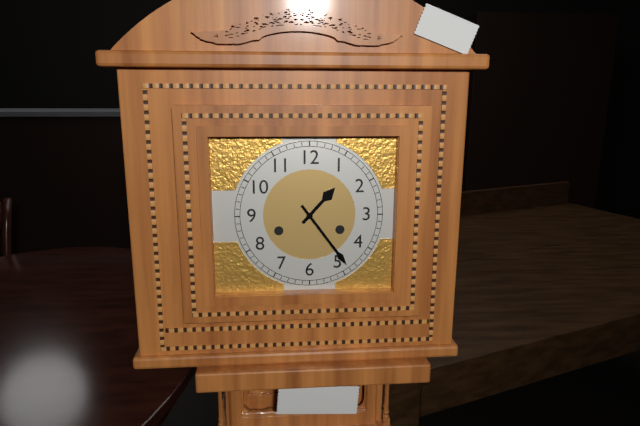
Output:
1,24
